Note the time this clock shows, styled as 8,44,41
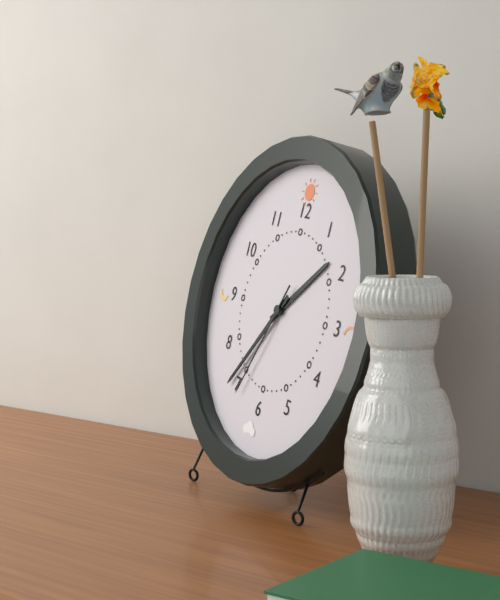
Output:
1,36,34
